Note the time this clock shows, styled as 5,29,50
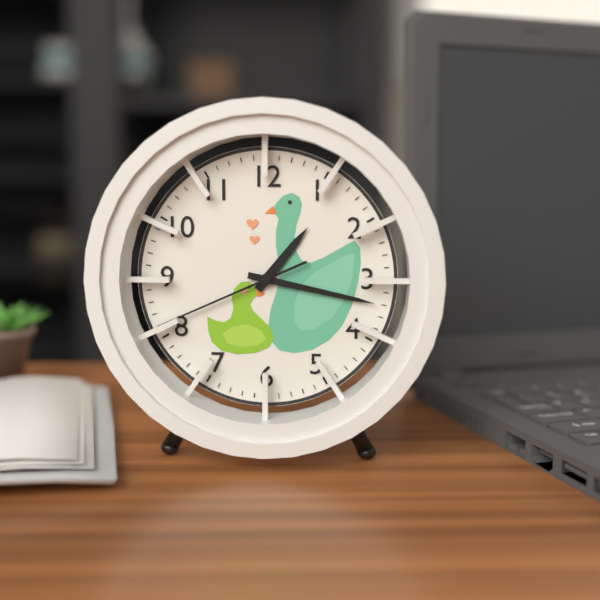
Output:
1,17,41
